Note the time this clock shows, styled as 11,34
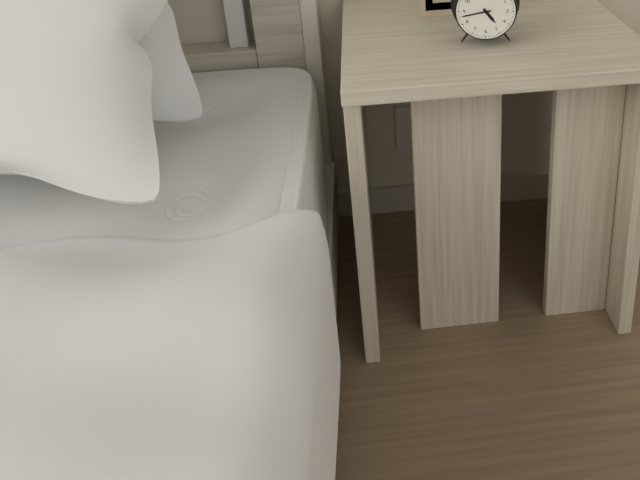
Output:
4,43
